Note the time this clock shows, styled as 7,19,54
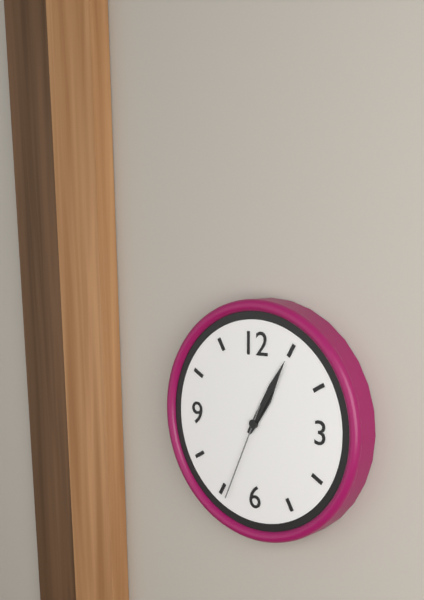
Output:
1,05,34
